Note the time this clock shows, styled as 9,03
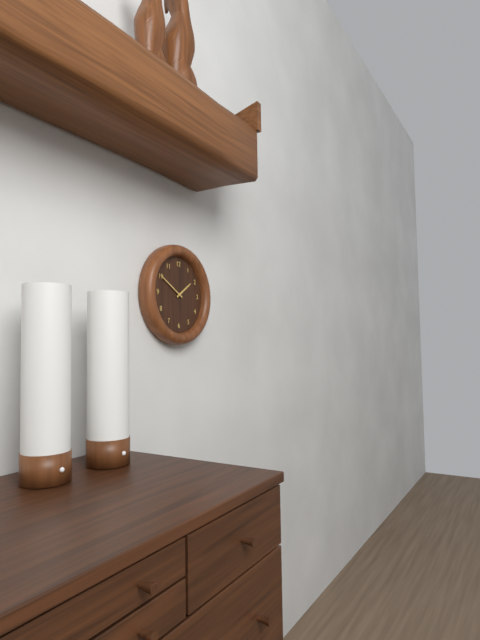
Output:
1,50
